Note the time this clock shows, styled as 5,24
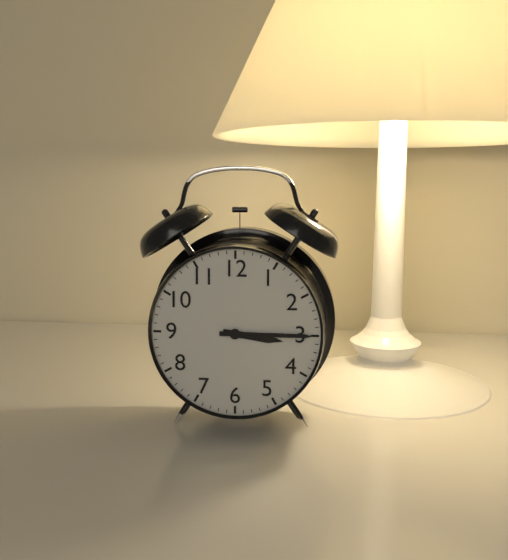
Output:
3,15
